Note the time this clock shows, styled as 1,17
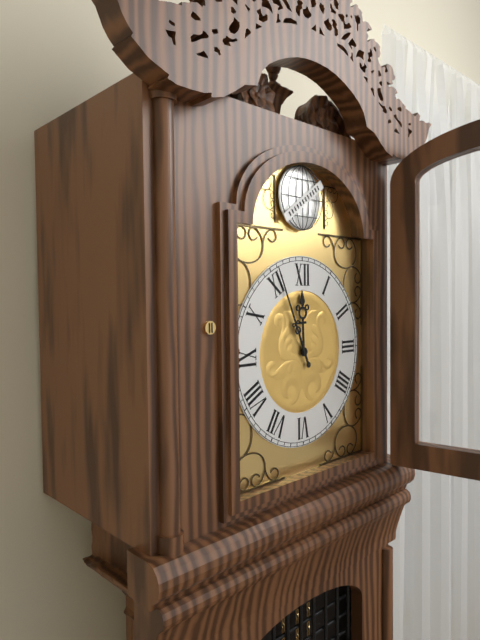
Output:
11,56
